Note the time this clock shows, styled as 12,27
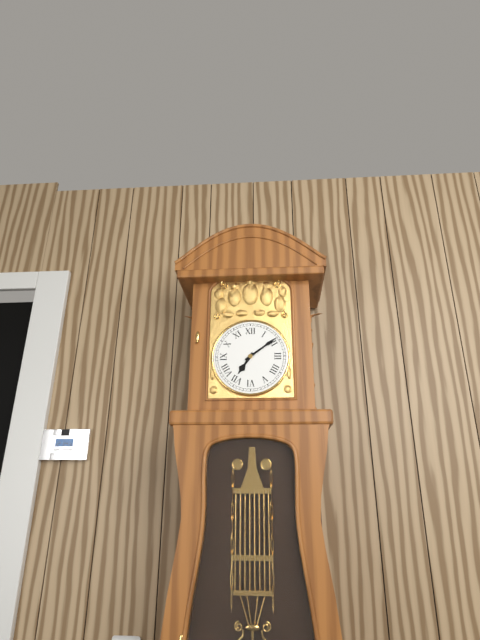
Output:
7,09
